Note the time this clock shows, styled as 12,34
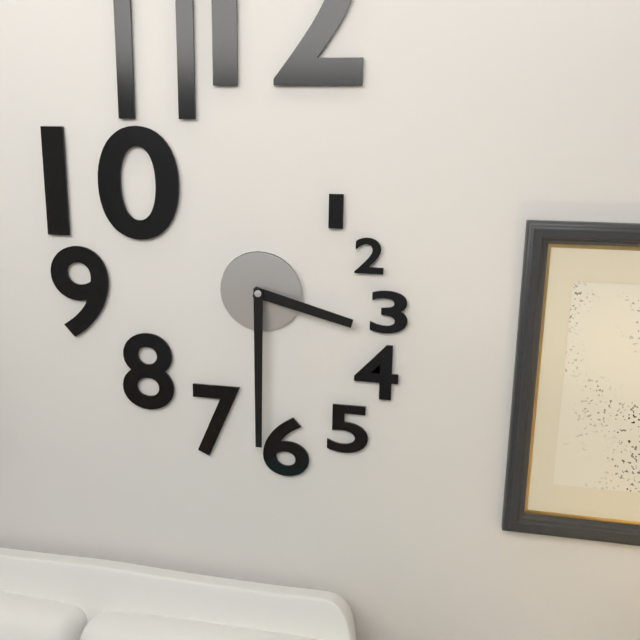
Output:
3,30
